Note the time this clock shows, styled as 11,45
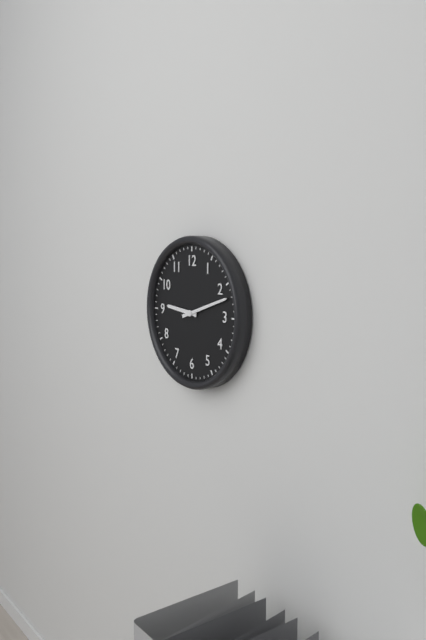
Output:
9,12
